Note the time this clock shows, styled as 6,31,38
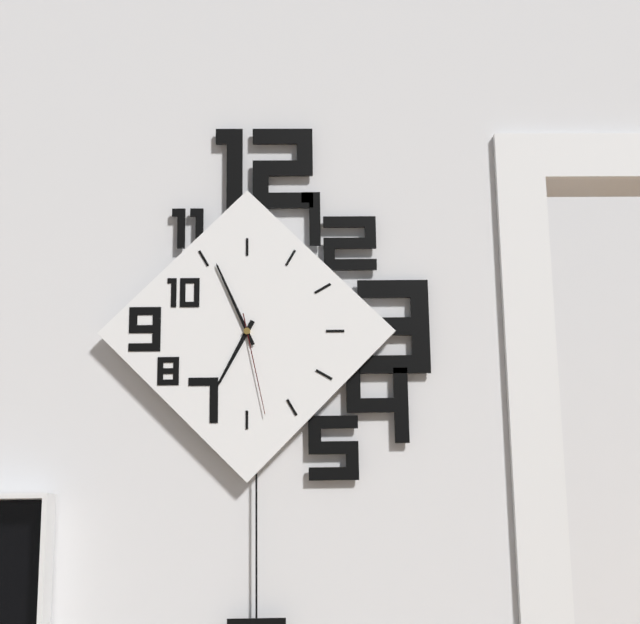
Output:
6,56,28
